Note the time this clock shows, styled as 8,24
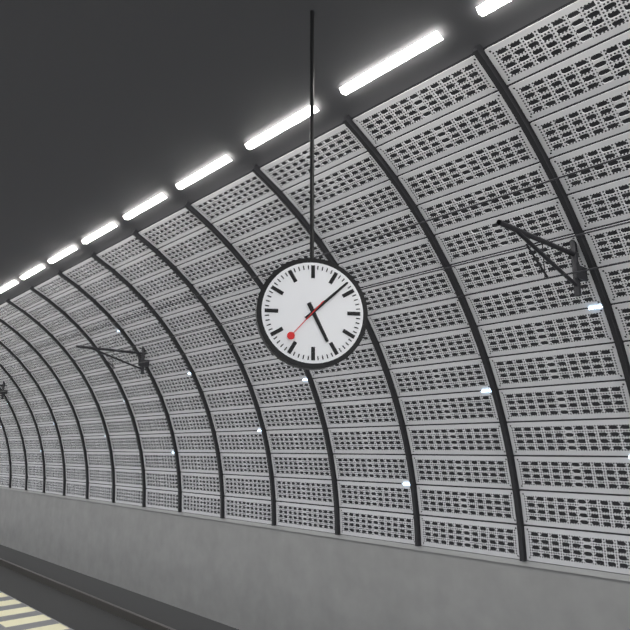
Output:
5,08
